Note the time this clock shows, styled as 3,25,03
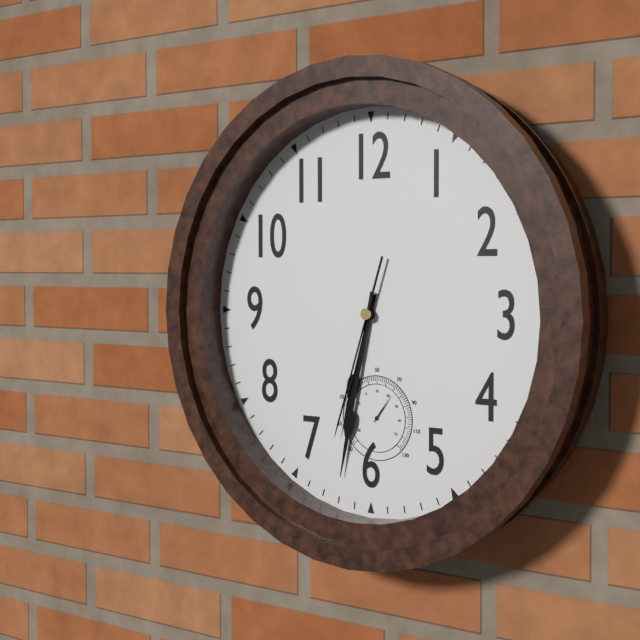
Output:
6,32,33
